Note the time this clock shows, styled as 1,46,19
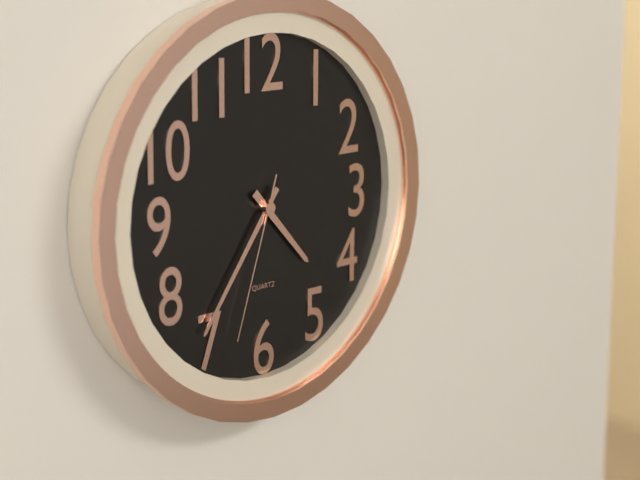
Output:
4,36,33
